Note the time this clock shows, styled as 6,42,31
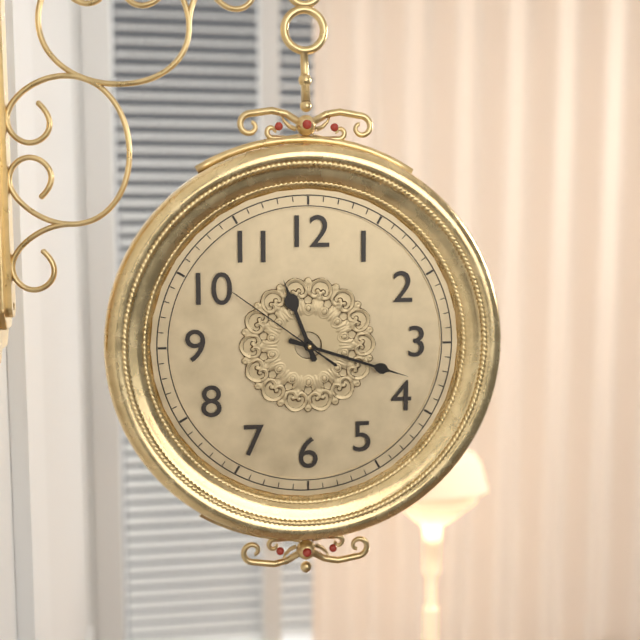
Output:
11,18,51
